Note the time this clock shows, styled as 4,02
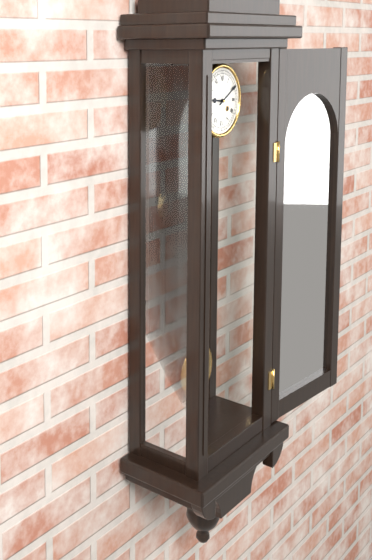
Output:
9,10
